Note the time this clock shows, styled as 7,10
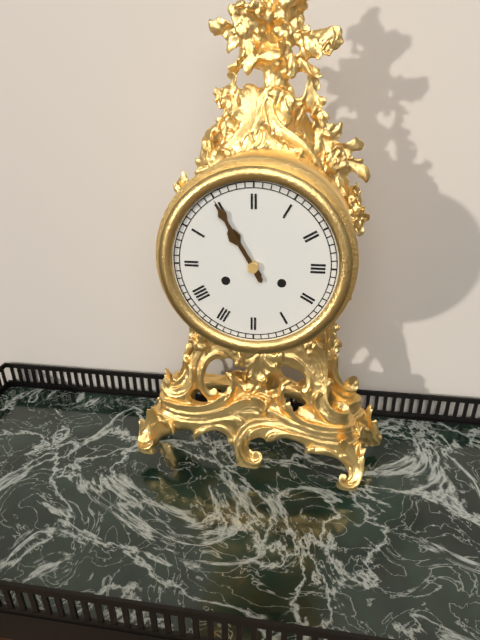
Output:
10,55
